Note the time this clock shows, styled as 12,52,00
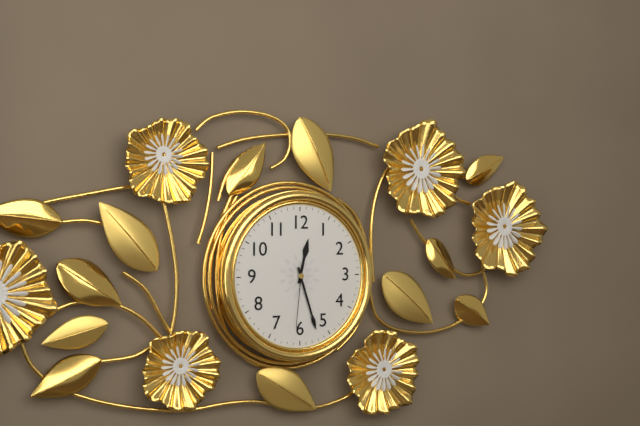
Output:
12,27,31
